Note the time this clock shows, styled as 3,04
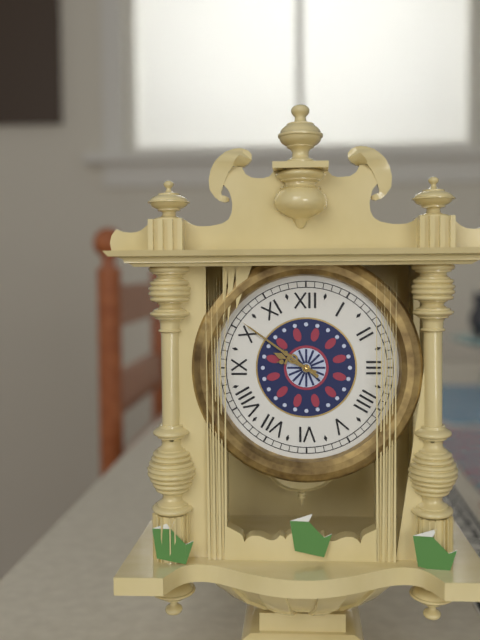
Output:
9,51
